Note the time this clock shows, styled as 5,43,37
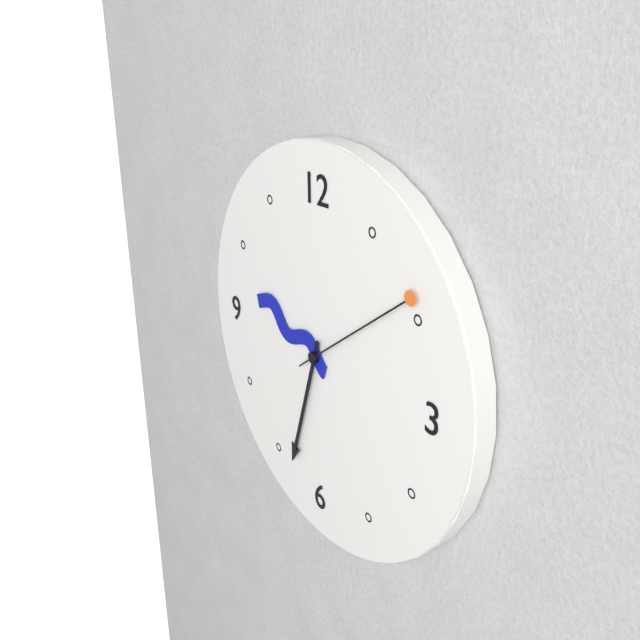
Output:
9,33,09
